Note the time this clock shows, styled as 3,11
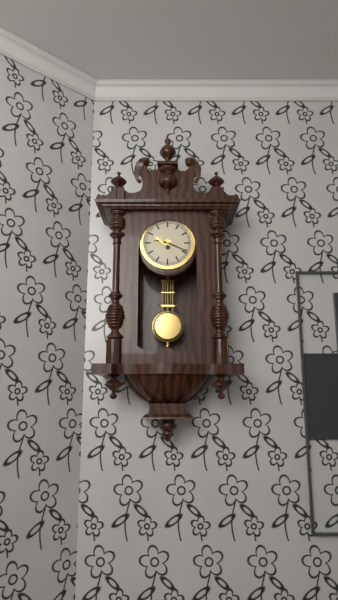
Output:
9,19
